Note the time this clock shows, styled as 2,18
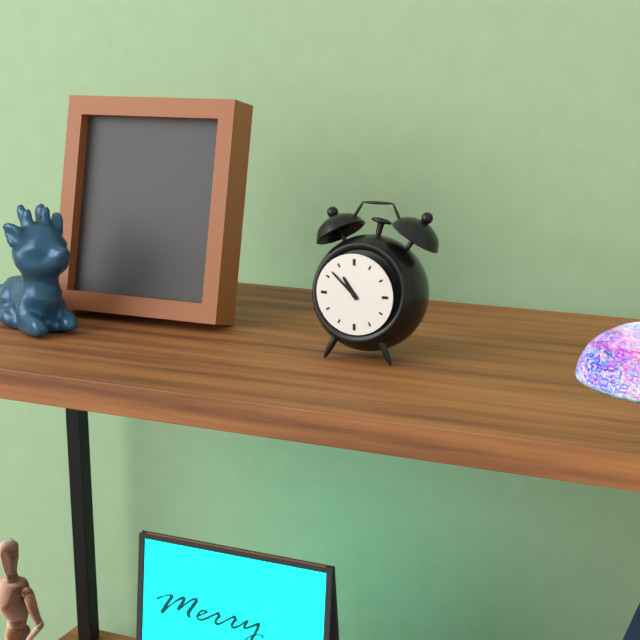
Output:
10,52
